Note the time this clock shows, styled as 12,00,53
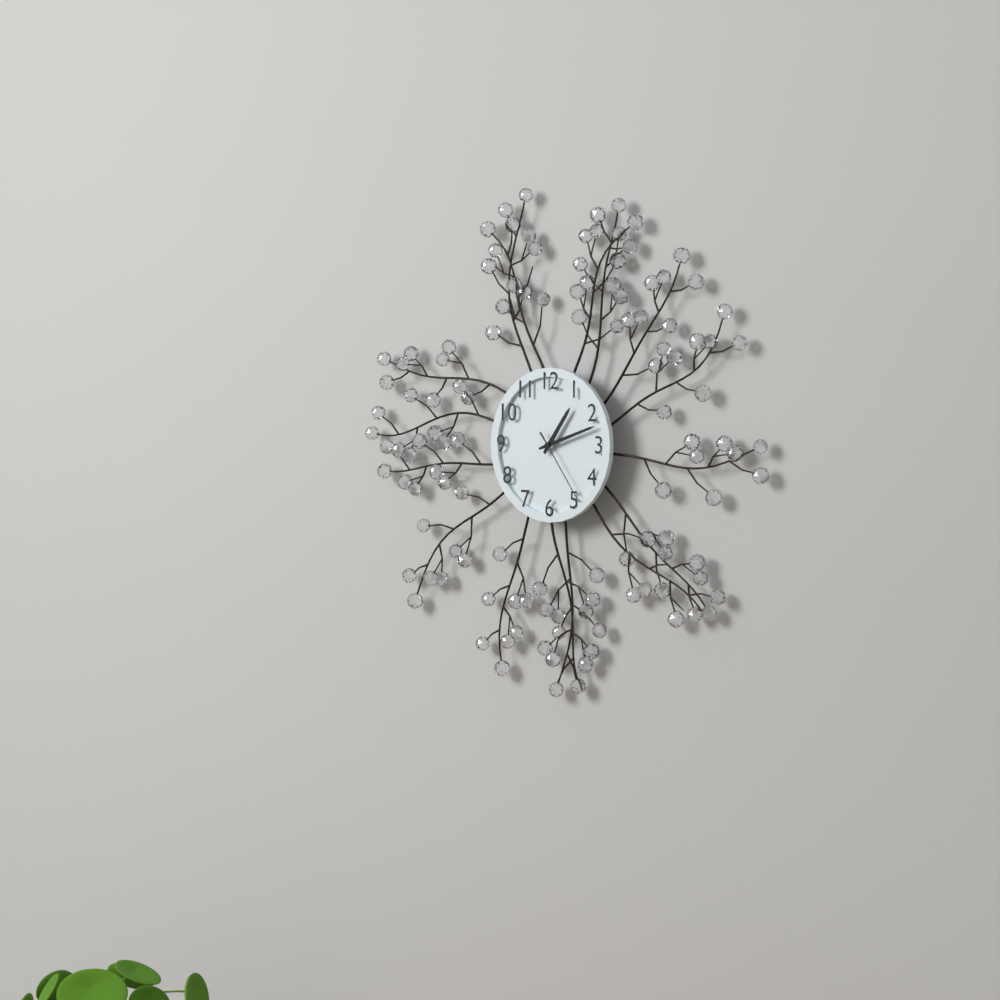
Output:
1,12,24
